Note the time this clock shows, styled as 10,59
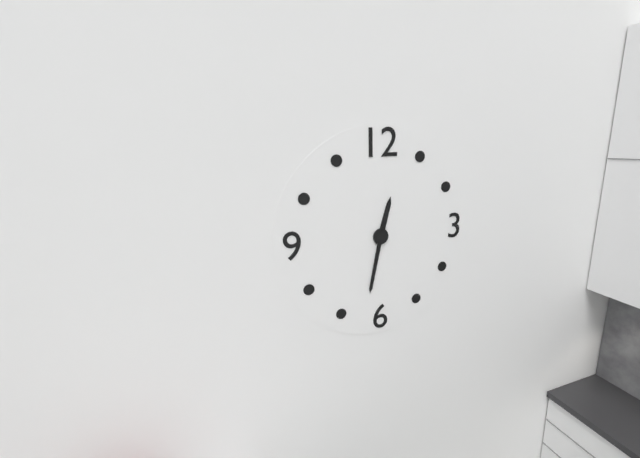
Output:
12,32
